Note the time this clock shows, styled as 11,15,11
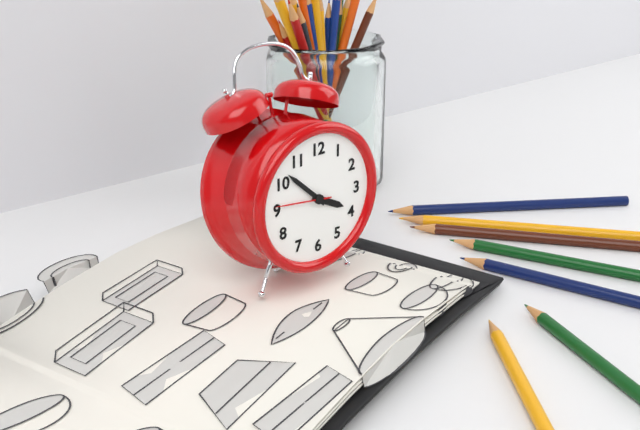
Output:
3,52,46
